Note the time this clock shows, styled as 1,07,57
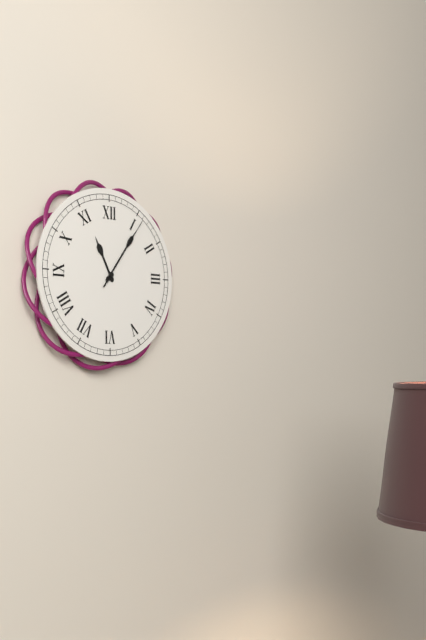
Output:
11,06,06
